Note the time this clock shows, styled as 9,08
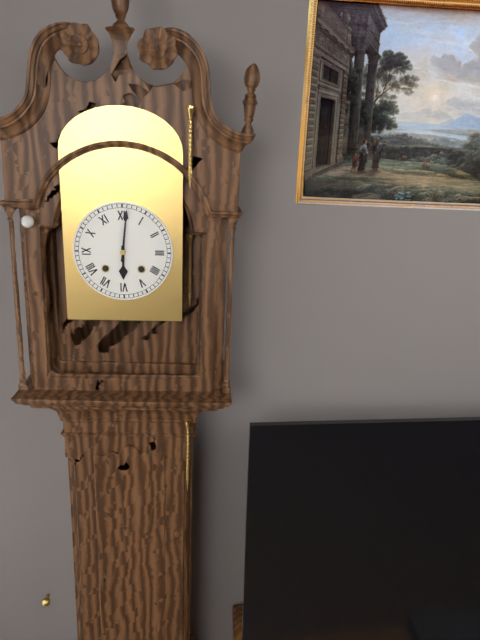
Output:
6,01
